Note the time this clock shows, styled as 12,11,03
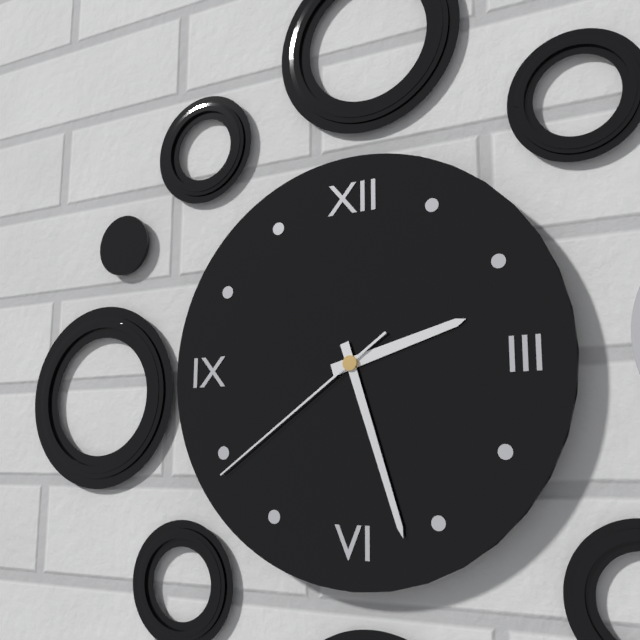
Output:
2,27,39
